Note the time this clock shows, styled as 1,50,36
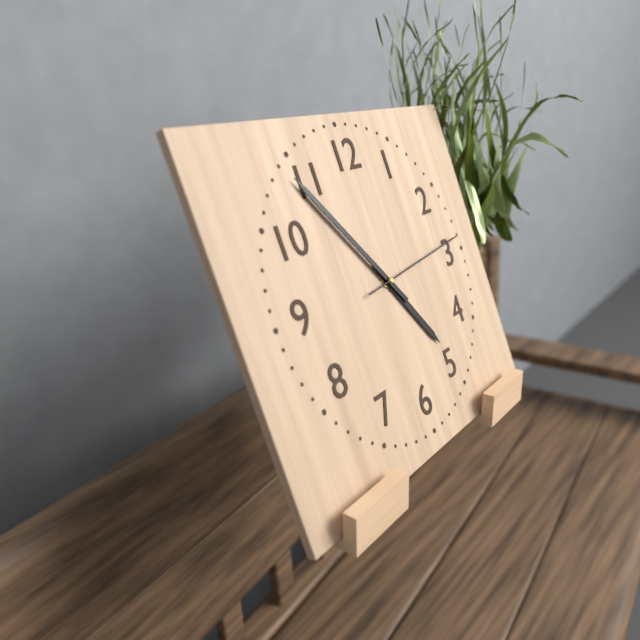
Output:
4,54,14
